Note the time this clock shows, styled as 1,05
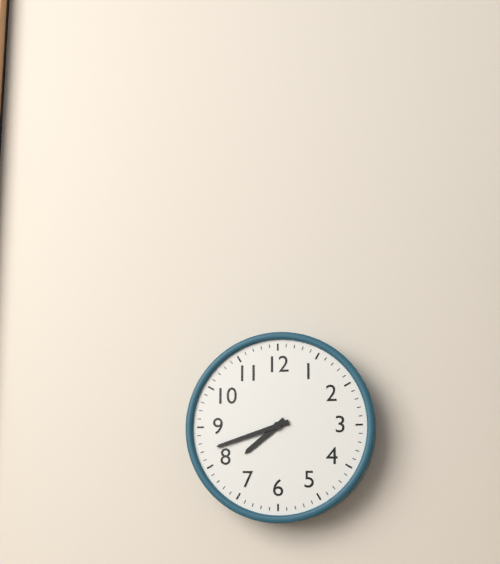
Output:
7,42
